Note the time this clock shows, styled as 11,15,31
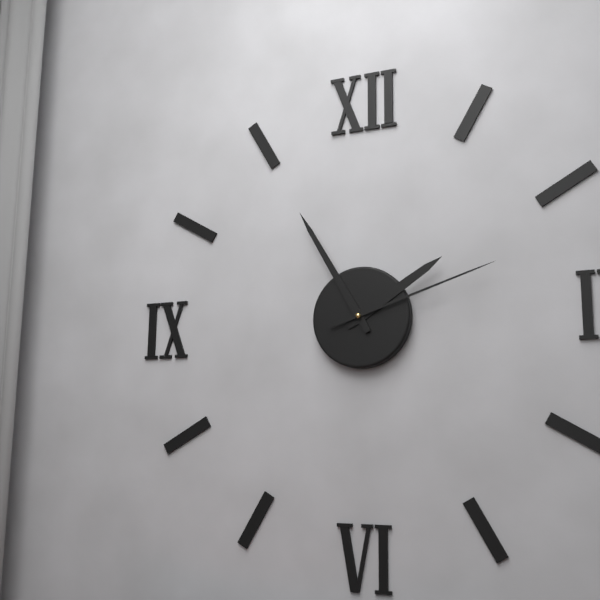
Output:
1,55,12
